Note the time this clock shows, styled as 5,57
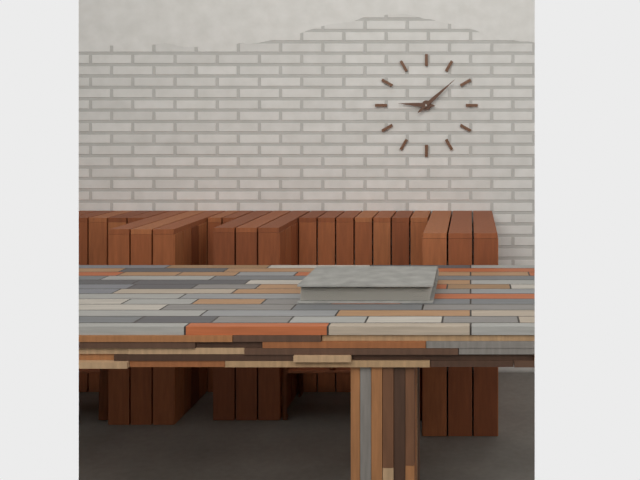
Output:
9,08
